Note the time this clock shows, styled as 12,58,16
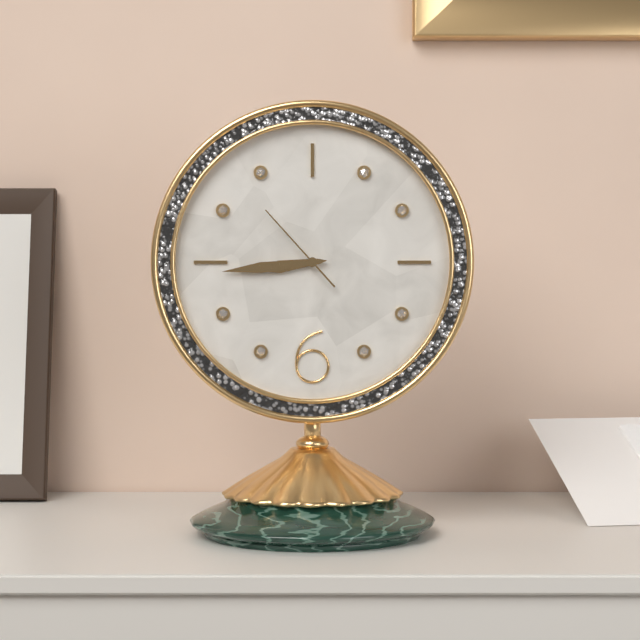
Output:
8,44,53
